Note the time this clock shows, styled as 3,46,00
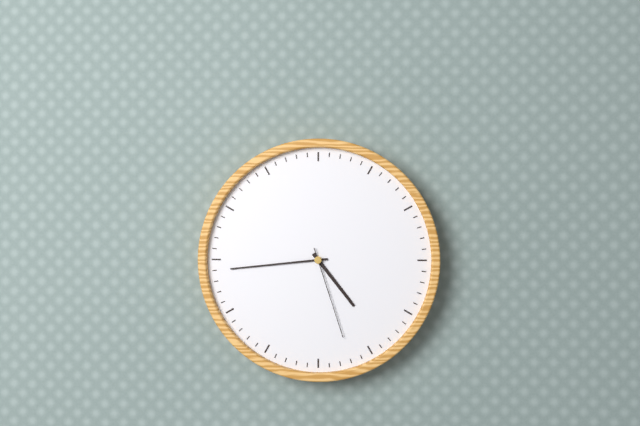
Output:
4,44,27
